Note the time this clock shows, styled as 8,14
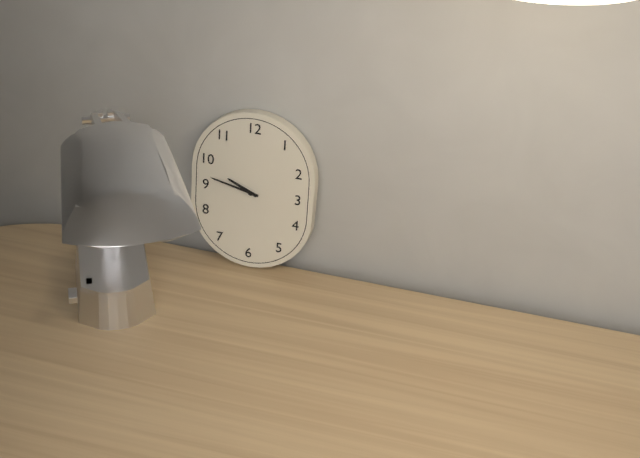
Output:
9,47
